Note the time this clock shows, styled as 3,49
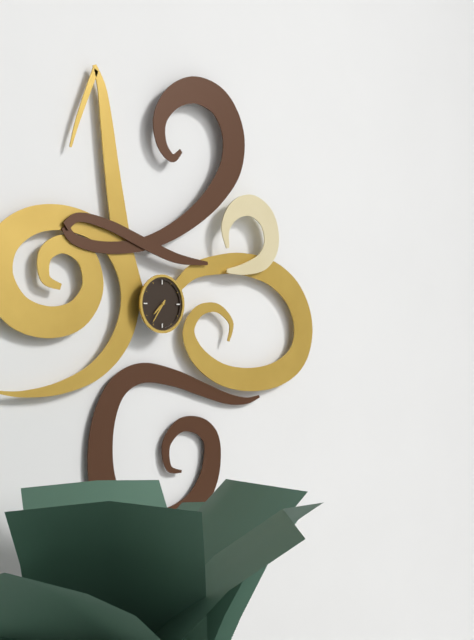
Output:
7,36
